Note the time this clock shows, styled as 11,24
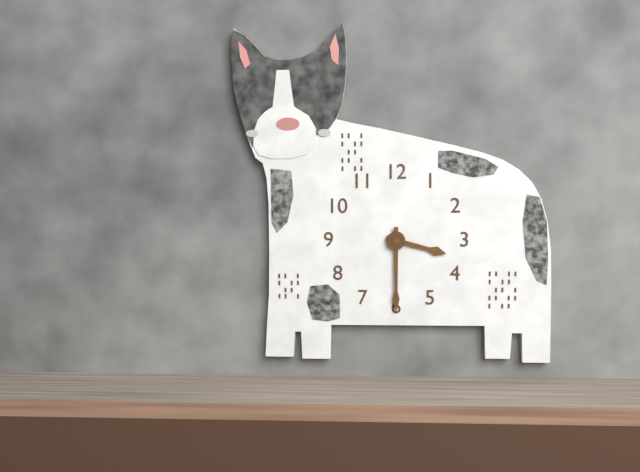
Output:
3,30
